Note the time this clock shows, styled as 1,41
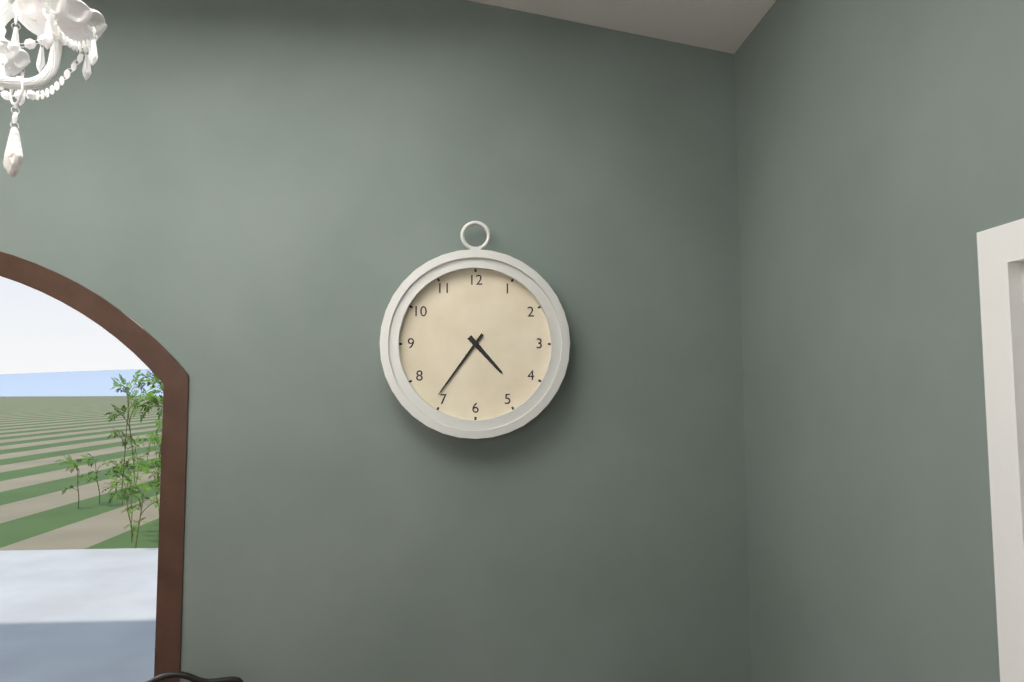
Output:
4,36
